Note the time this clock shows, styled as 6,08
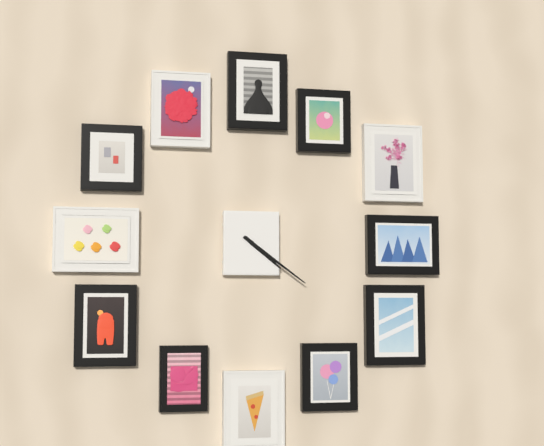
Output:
4,21
